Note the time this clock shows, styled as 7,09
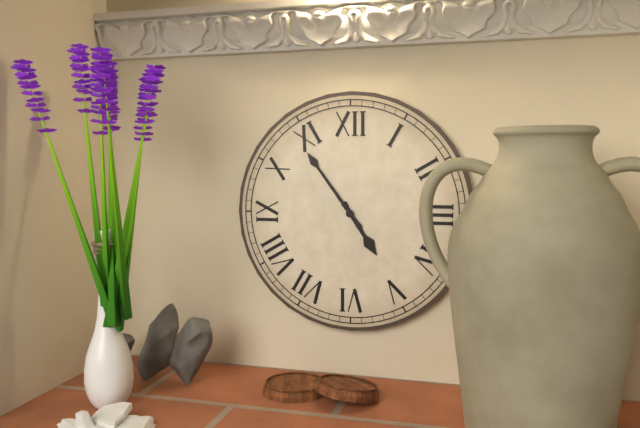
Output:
4,54
